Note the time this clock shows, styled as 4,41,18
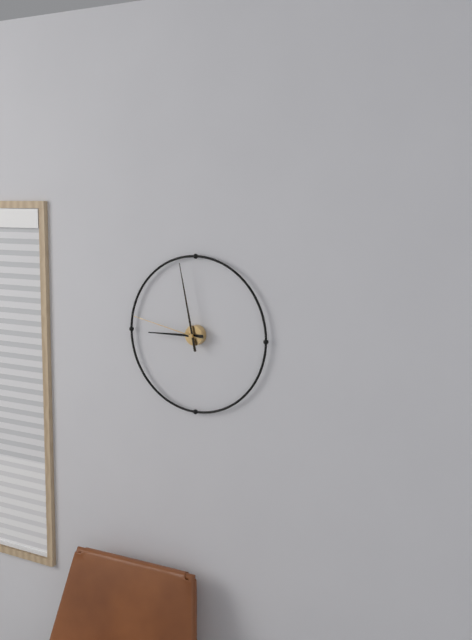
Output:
8,58,47
